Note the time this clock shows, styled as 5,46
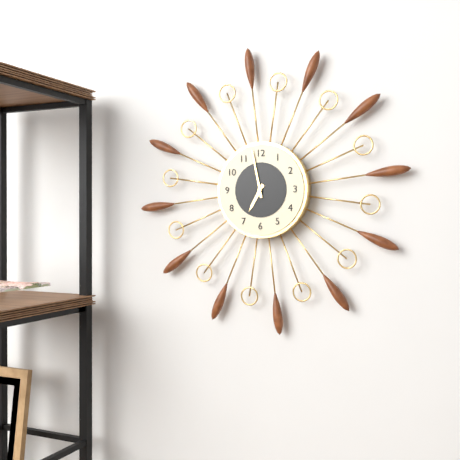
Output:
6,58
